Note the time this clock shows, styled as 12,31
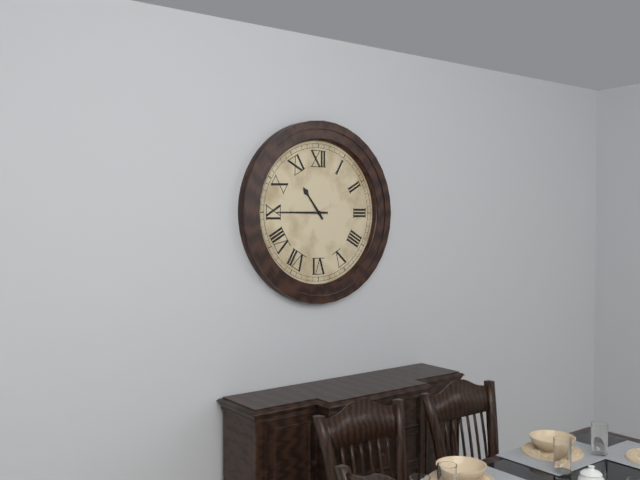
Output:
10,45
